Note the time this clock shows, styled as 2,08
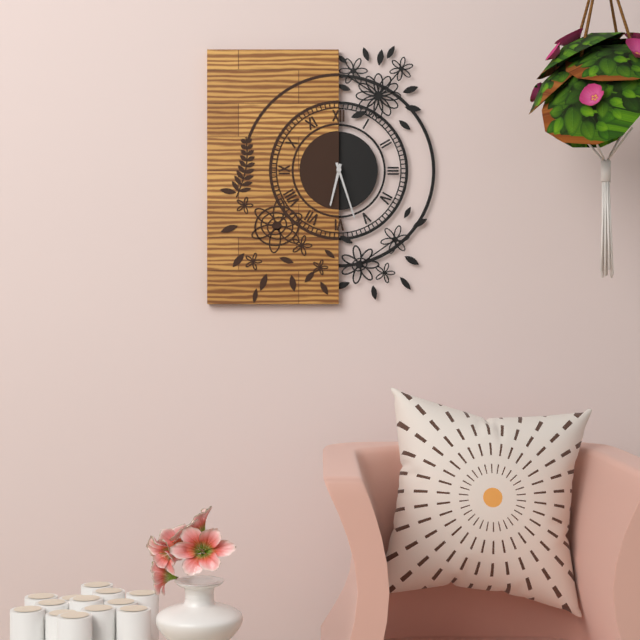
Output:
6,27
